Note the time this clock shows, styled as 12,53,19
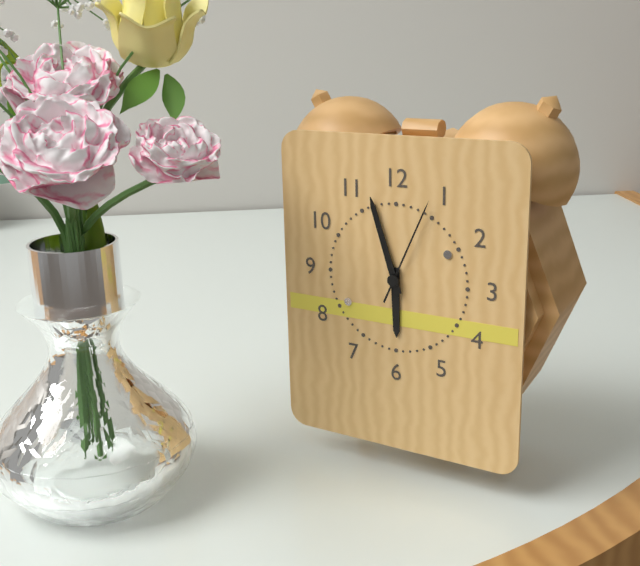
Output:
5,57,04
